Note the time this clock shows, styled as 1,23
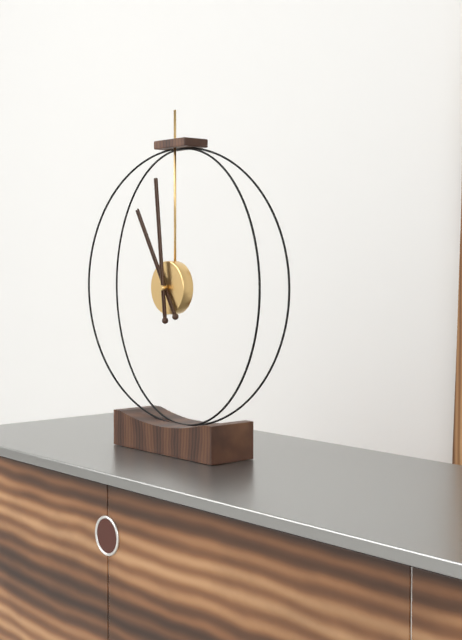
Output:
10,59
